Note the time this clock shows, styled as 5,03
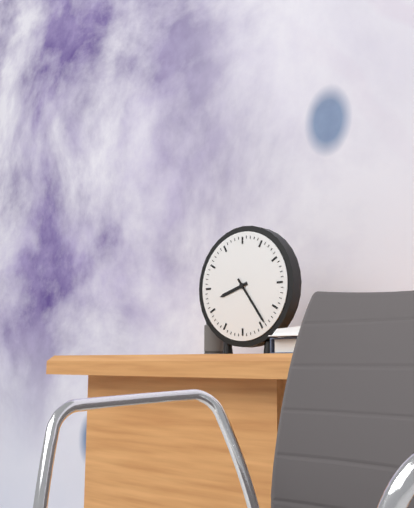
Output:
8,24
